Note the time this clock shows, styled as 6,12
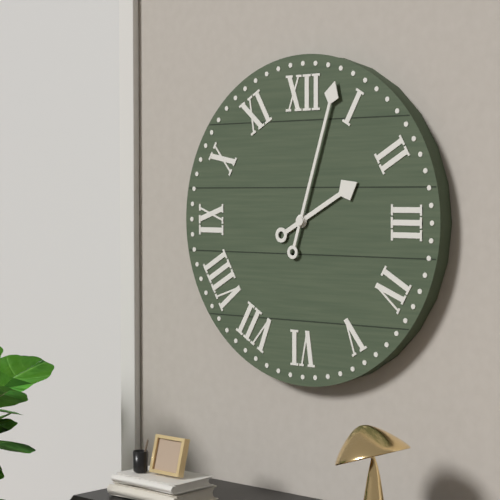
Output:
2,03
